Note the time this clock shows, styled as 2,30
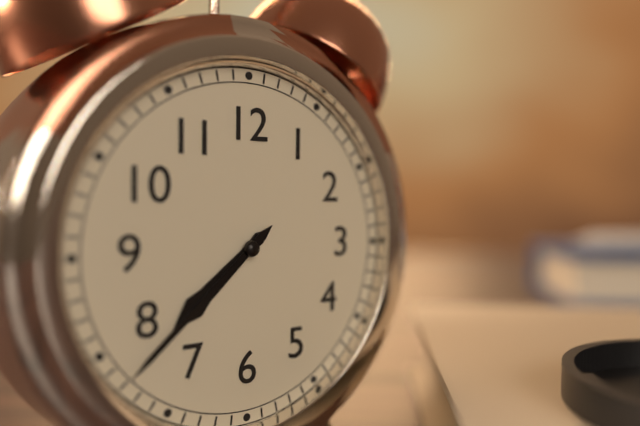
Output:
7,38
